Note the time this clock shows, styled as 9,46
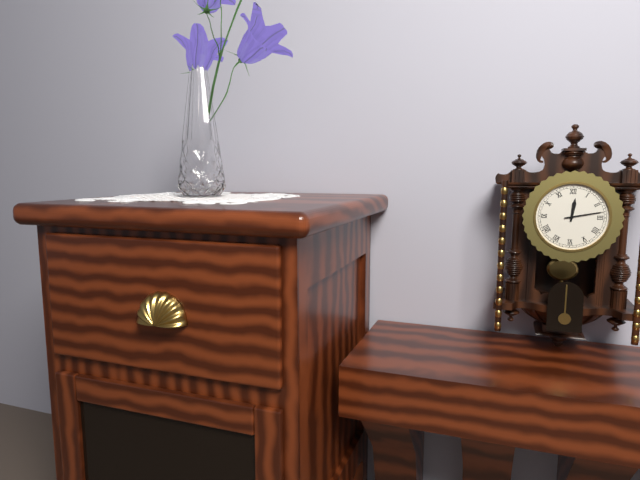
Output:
12,13
